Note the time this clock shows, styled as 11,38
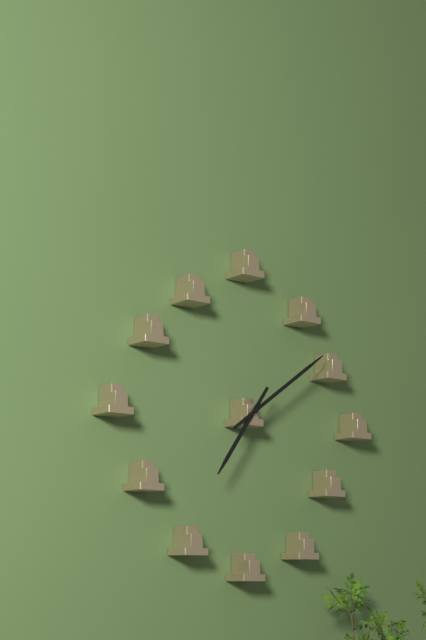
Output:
7,09
